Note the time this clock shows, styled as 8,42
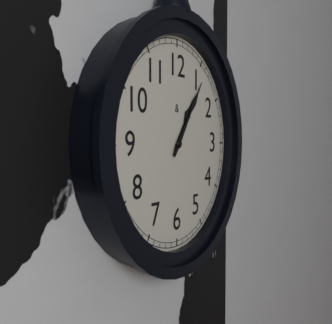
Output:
1,06
